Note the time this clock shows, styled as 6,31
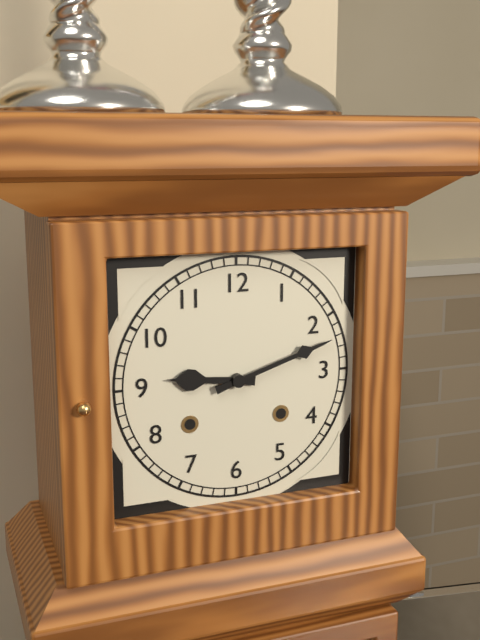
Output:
9,12
